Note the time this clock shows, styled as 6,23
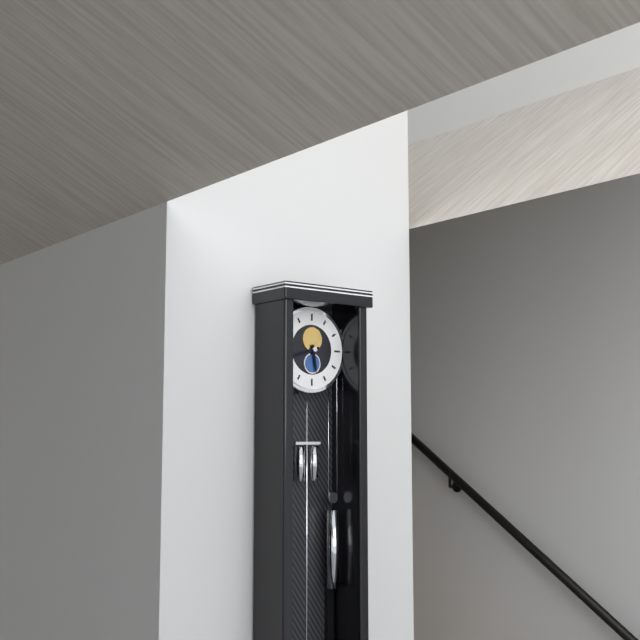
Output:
5,42
